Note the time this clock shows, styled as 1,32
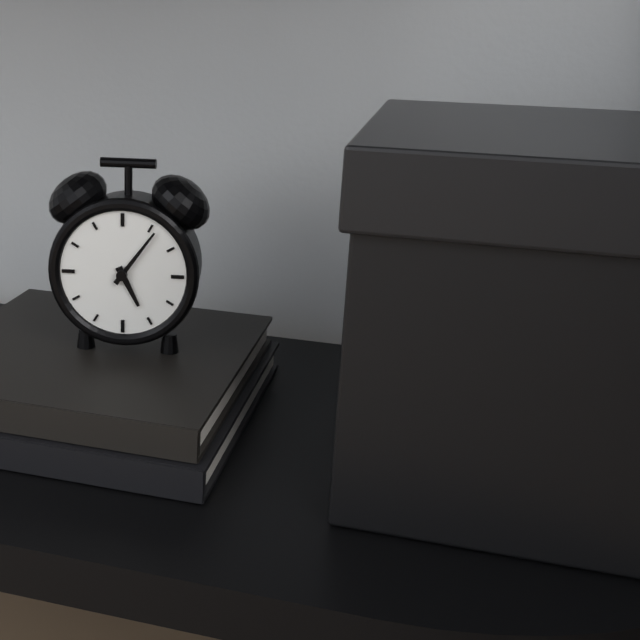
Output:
5,06
